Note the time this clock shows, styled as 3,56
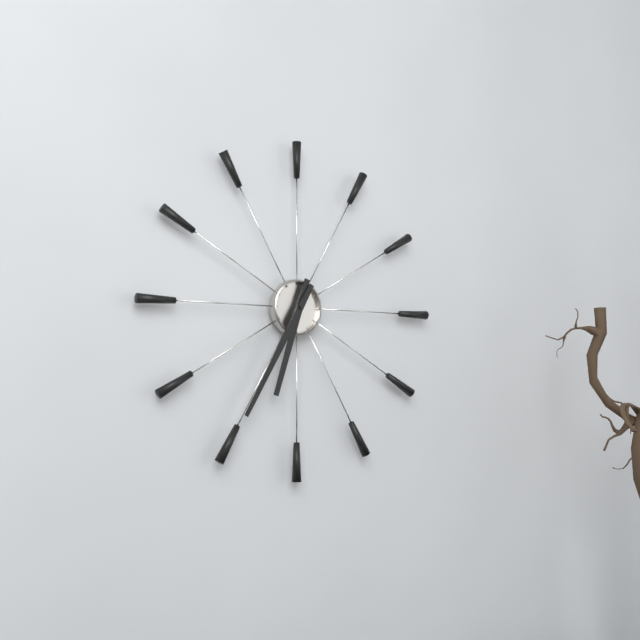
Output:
6,35
